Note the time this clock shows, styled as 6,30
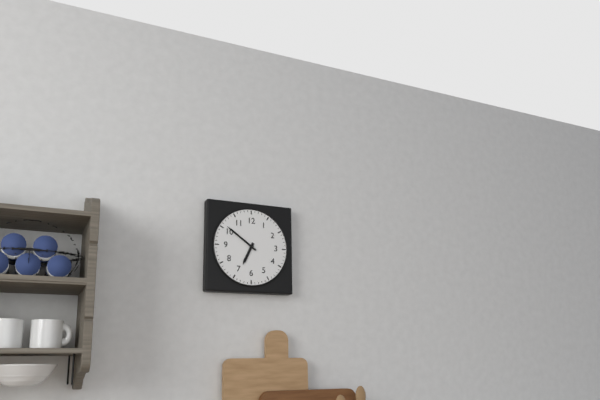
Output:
6,51
